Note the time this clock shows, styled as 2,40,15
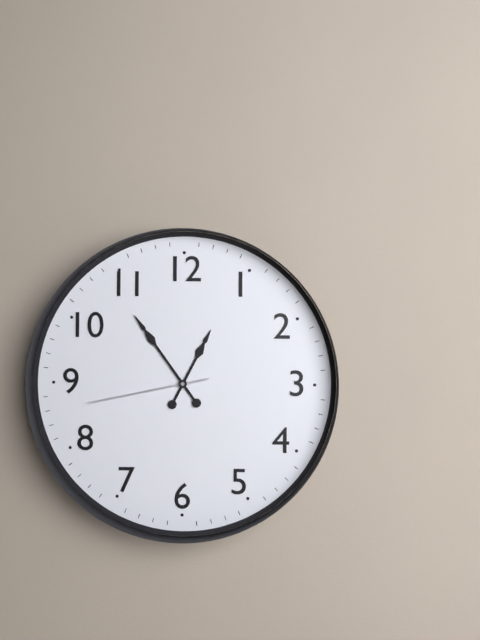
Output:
12,54,43
